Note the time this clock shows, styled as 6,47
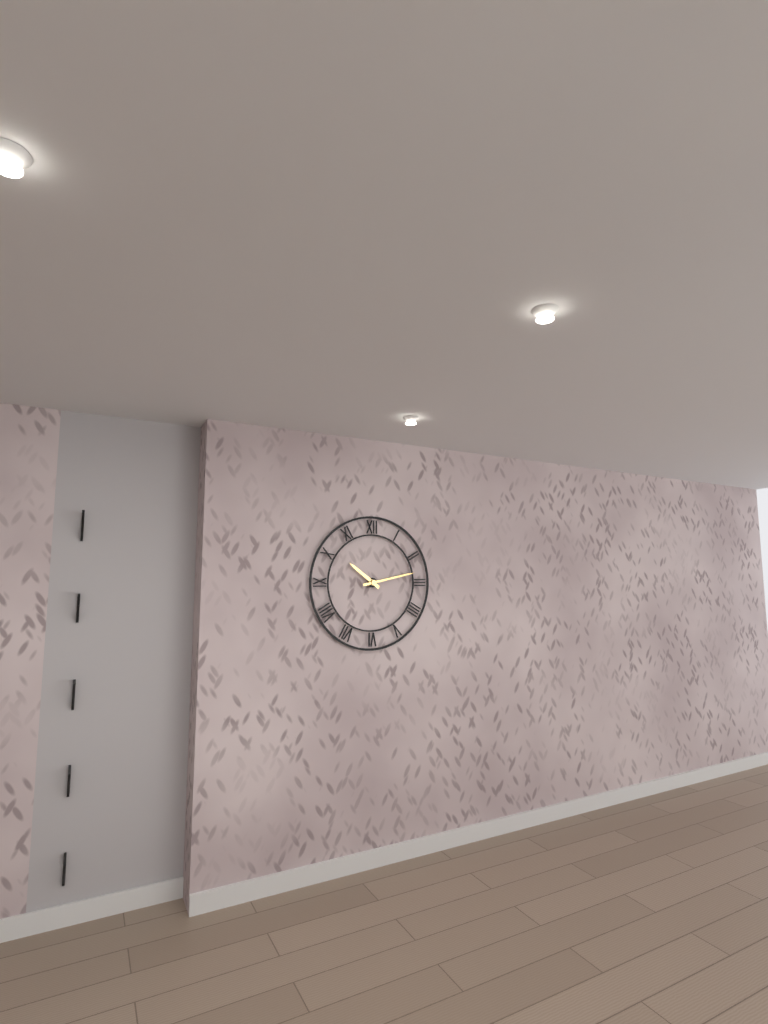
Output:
10,13
